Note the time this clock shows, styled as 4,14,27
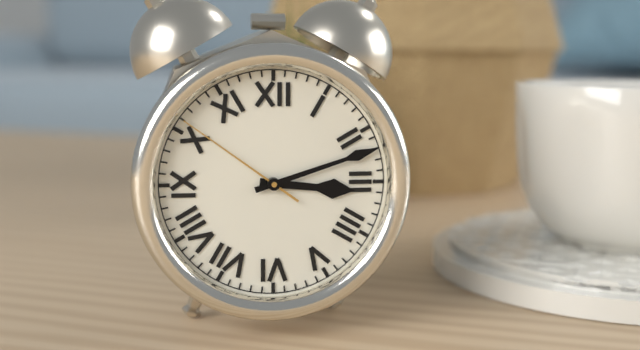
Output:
3,12,51
